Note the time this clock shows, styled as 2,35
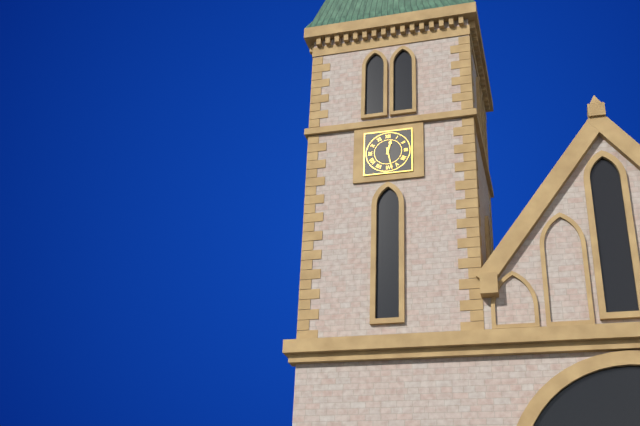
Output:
12,28
